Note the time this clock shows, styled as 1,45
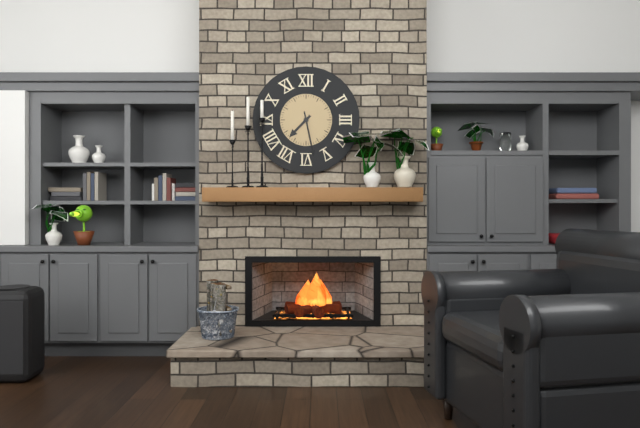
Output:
7,28
